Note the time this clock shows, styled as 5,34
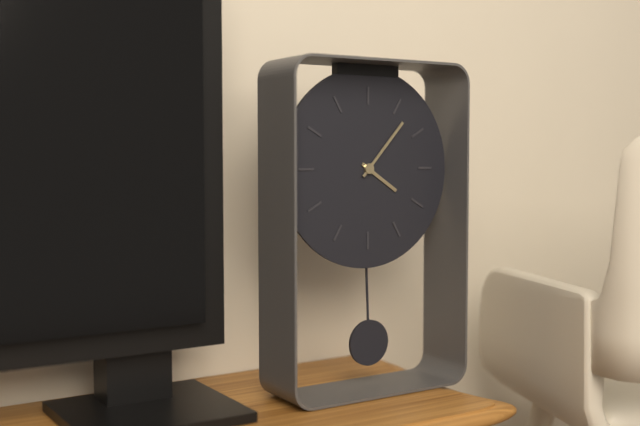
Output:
4,07
